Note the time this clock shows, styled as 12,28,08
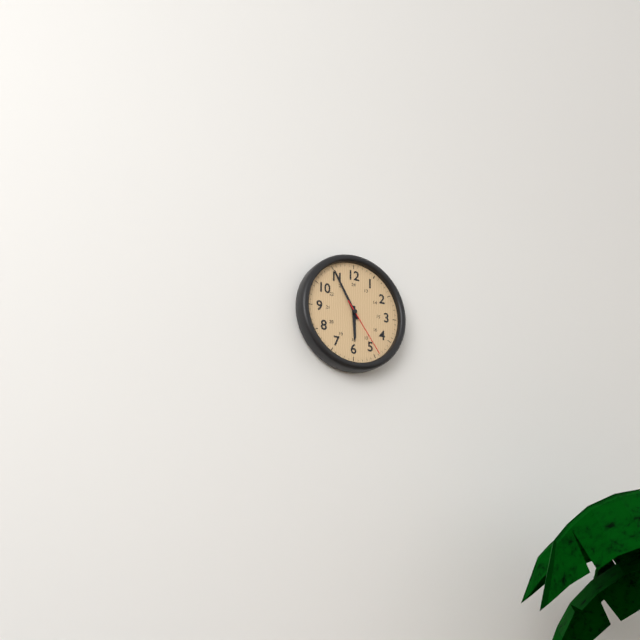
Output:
5,55,24
